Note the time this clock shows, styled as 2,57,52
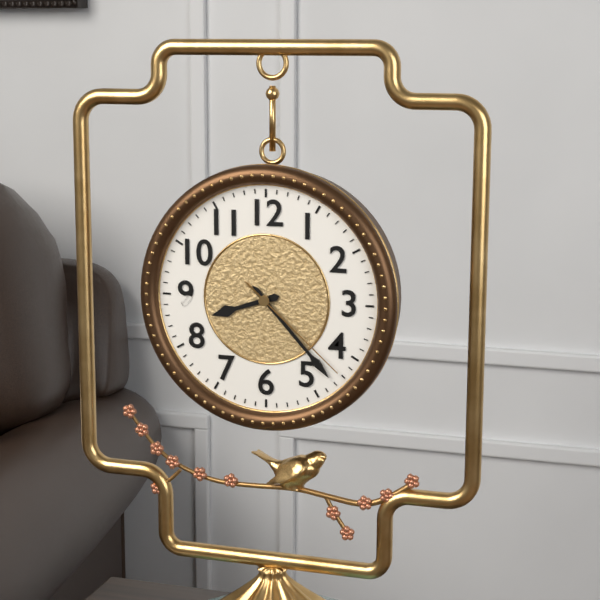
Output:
8,23,22
